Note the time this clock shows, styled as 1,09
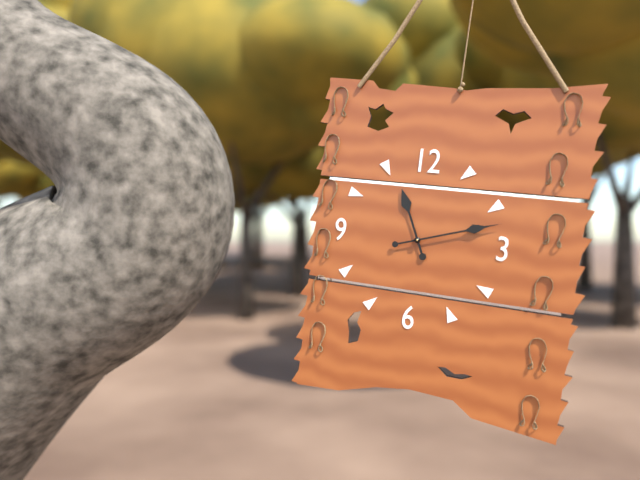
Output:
11,12
